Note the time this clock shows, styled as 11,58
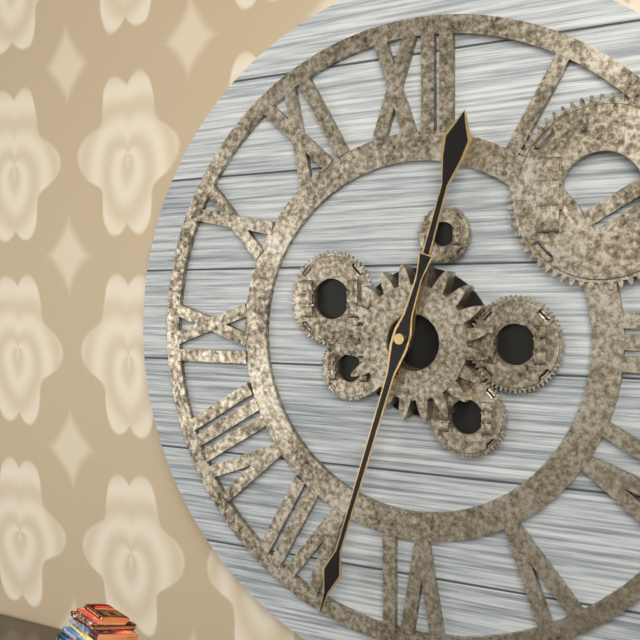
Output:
12,33
